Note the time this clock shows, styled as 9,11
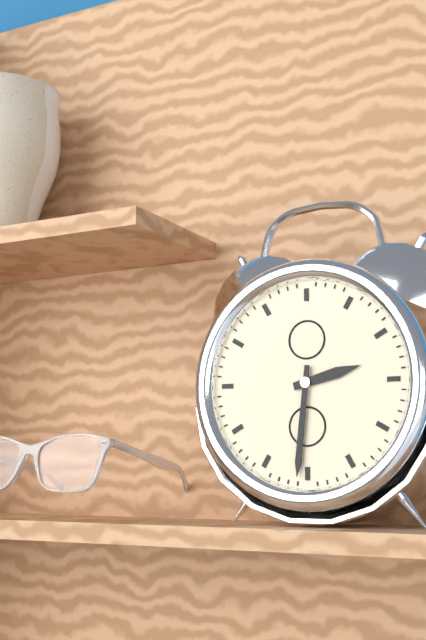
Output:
2,31
